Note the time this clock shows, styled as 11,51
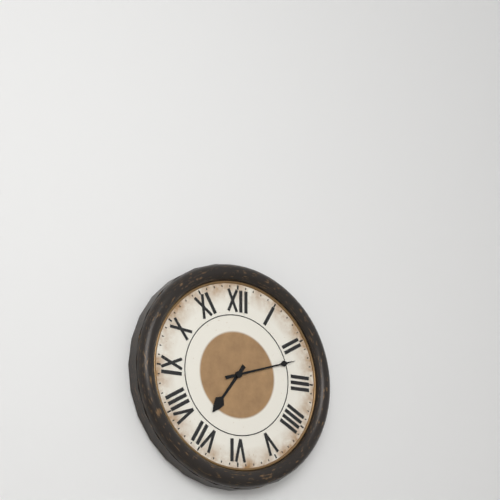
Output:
7,12
